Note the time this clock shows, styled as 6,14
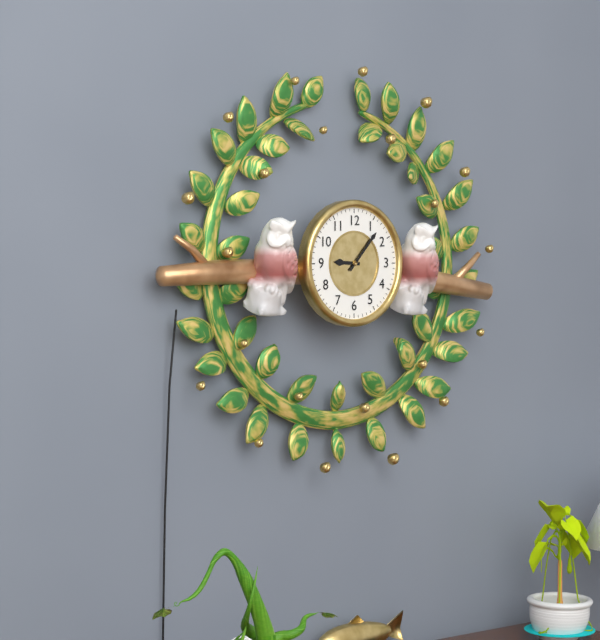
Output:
9,07
